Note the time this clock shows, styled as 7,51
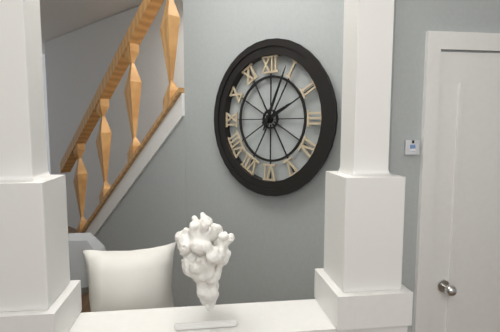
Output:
2,04
